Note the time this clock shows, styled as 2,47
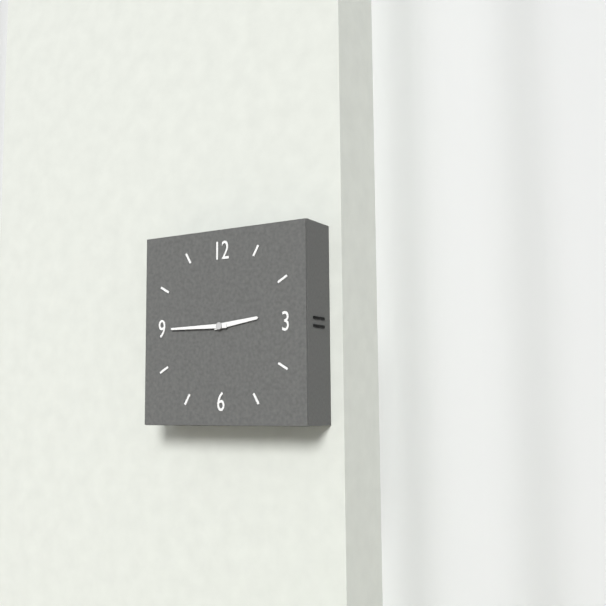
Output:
2,45
